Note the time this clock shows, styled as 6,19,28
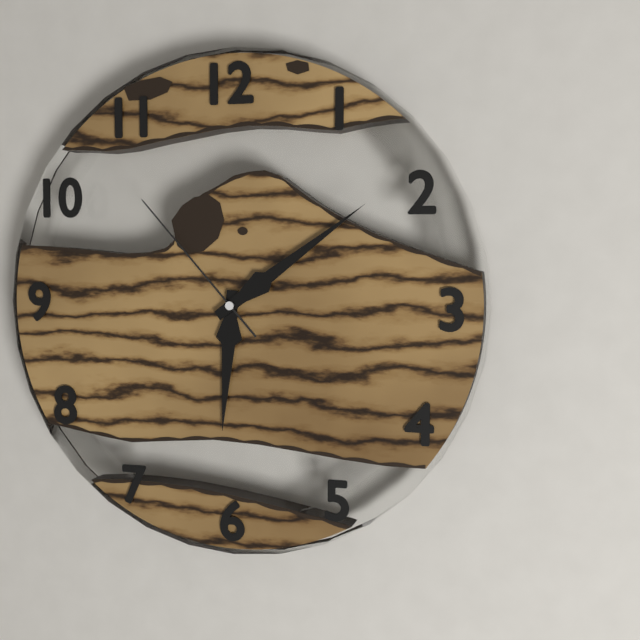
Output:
6,09,53
